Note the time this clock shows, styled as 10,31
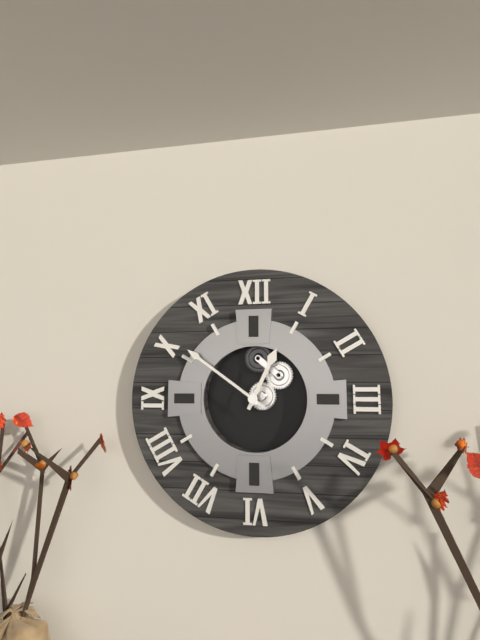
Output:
12,51
